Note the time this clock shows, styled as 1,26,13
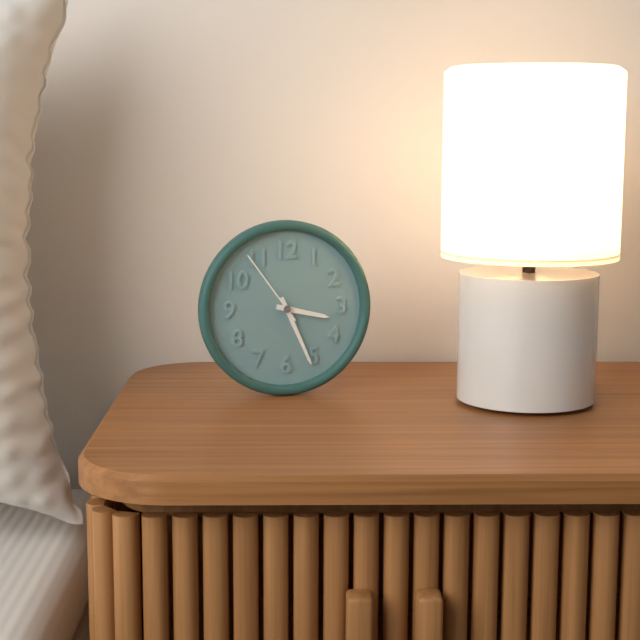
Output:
3,26,54
